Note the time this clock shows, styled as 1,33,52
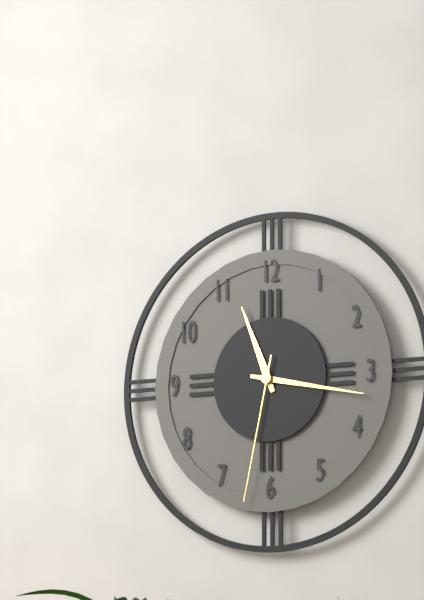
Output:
11,17,32
